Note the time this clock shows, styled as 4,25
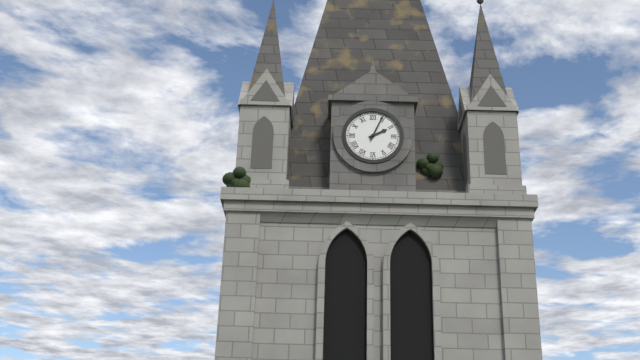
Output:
2,04
